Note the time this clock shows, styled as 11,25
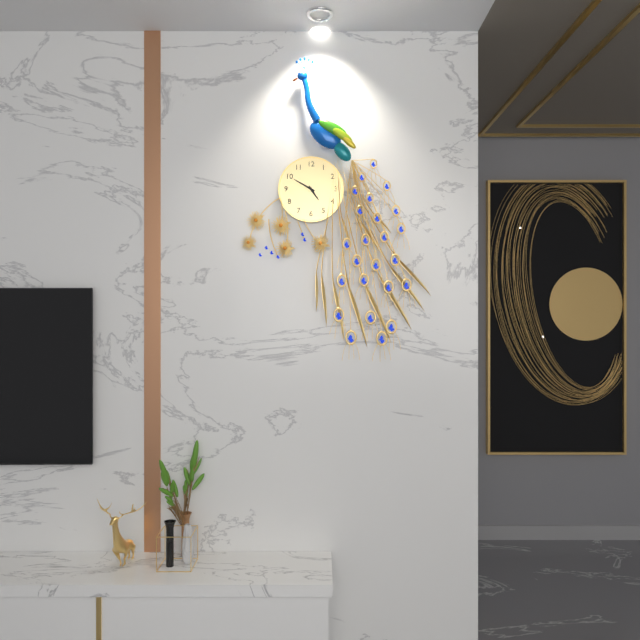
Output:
4,50
